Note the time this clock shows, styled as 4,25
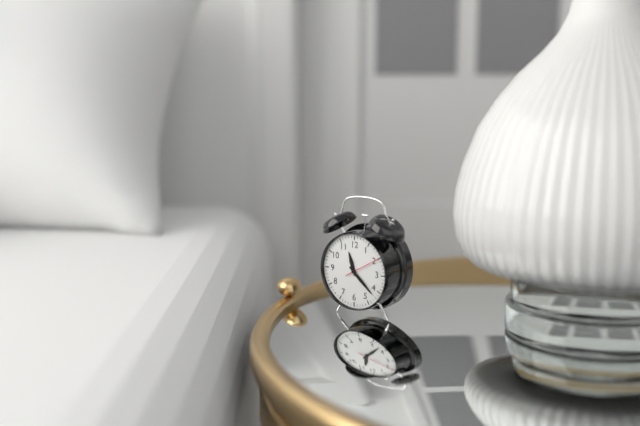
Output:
11,22
